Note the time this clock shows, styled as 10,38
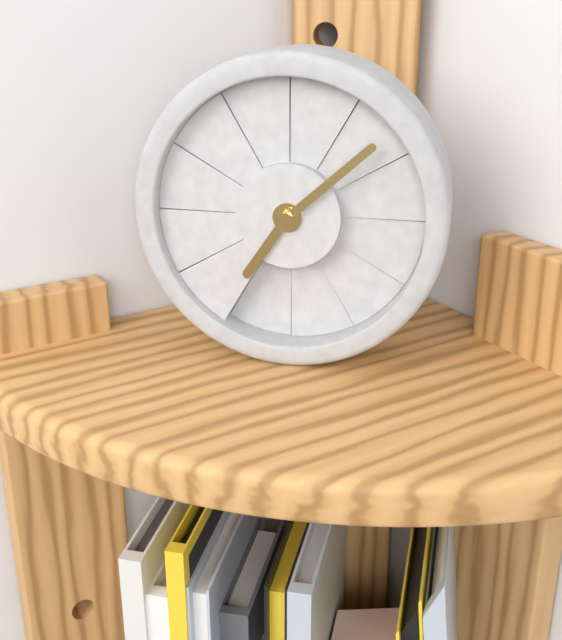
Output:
7,08
